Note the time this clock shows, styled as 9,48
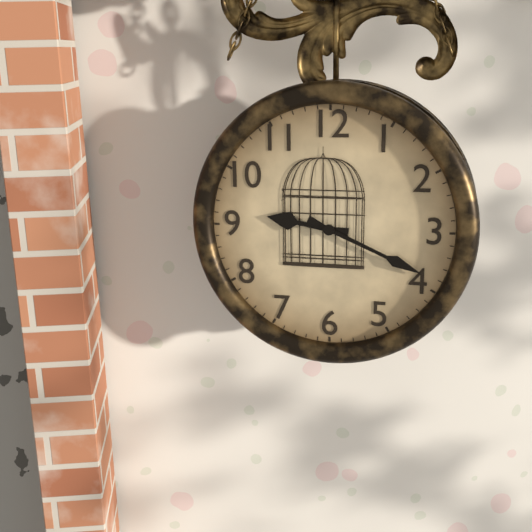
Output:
9,19
